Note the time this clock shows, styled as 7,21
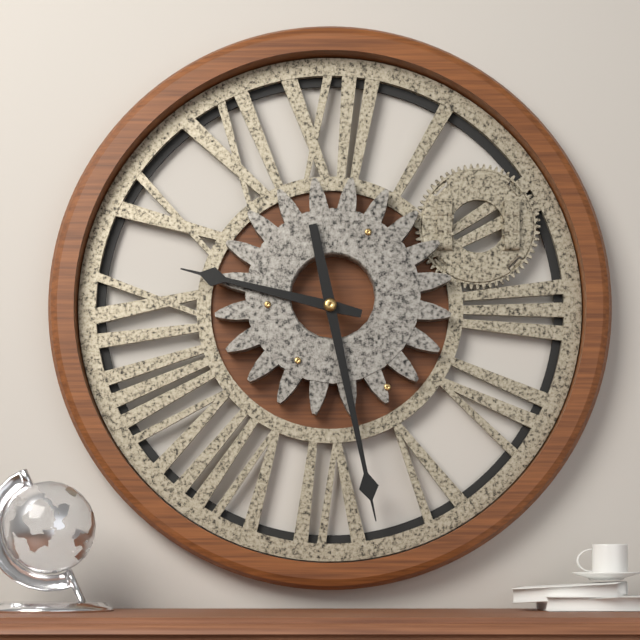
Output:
9,28
